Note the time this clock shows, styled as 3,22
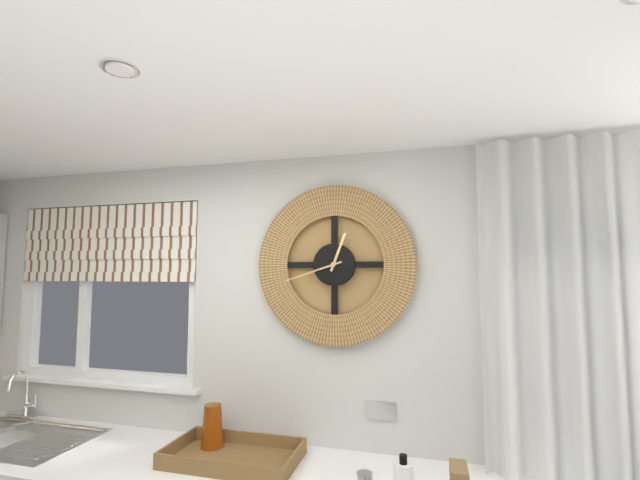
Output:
12,42
